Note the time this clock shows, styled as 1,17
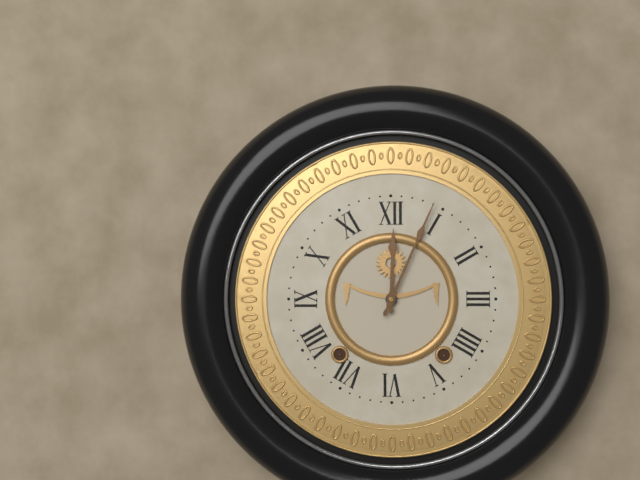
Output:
12,04
